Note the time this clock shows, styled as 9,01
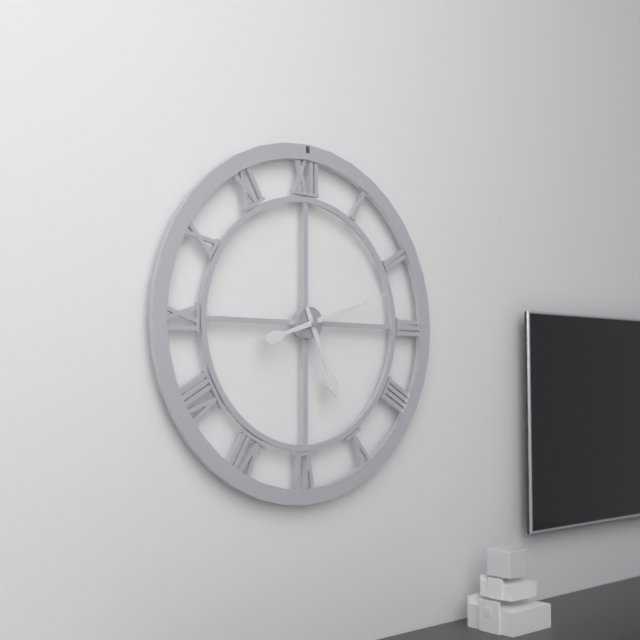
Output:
5,12
